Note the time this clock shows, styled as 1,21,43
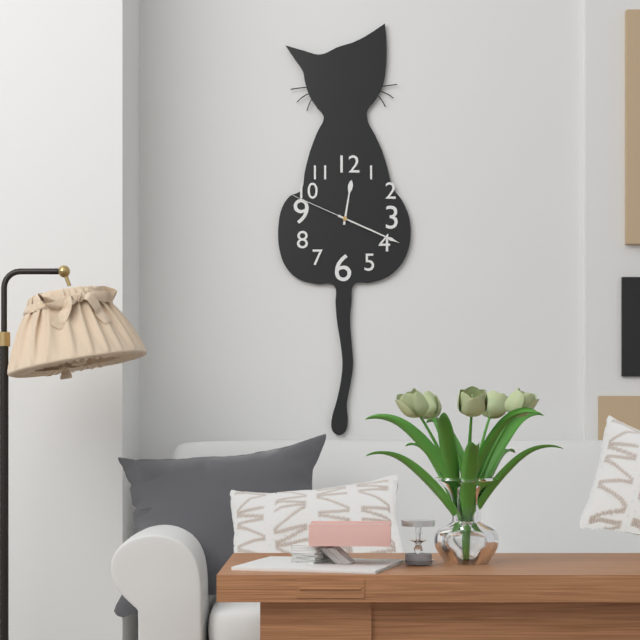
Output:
12,19,49
